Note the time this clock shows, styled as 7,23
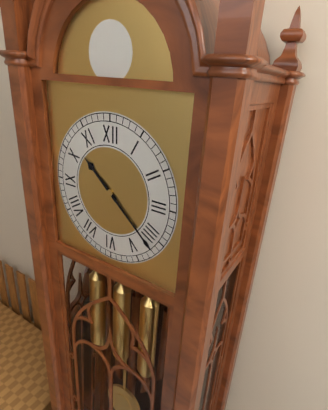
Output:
10,22
